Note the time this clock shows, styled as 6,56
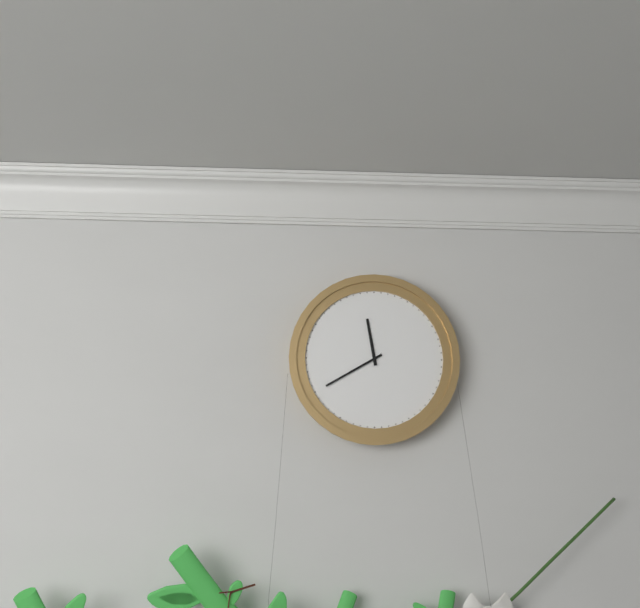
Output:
11,40
